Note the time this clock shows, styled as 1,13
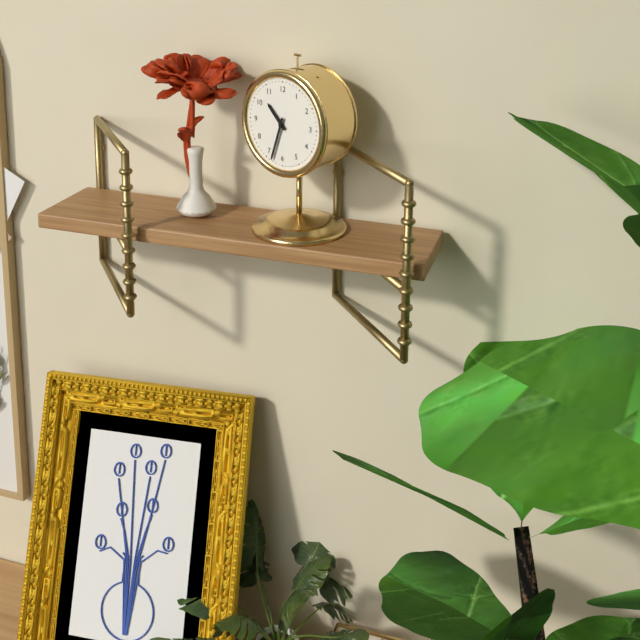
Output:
10,33
